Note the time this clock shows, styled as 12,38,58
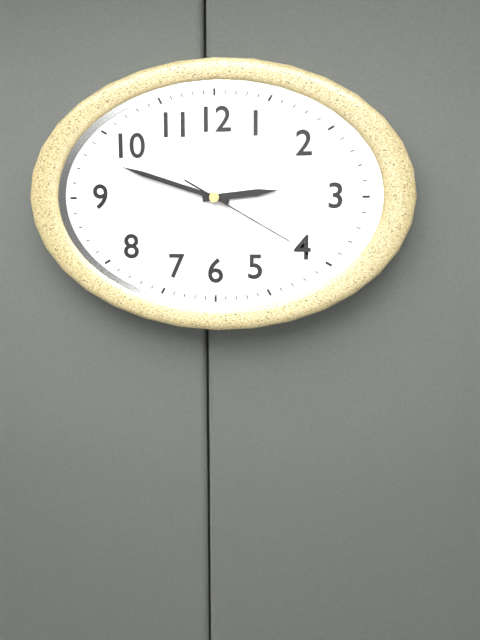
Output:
2,48,20
